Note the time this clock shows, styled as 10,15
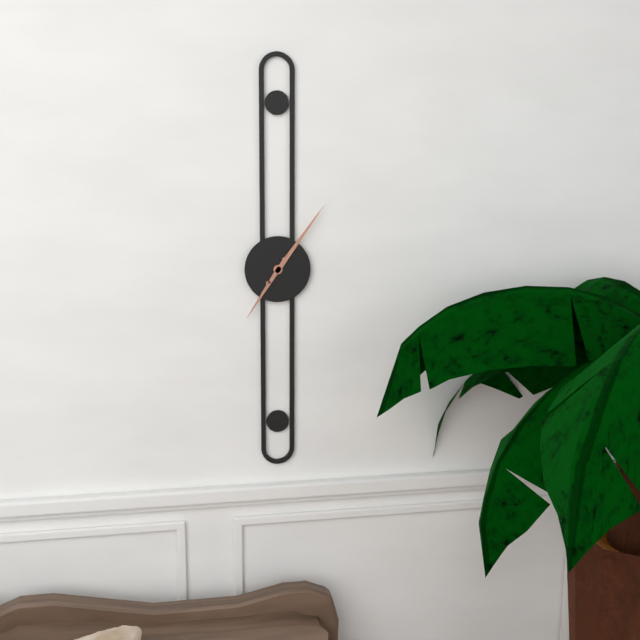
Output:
7,06
